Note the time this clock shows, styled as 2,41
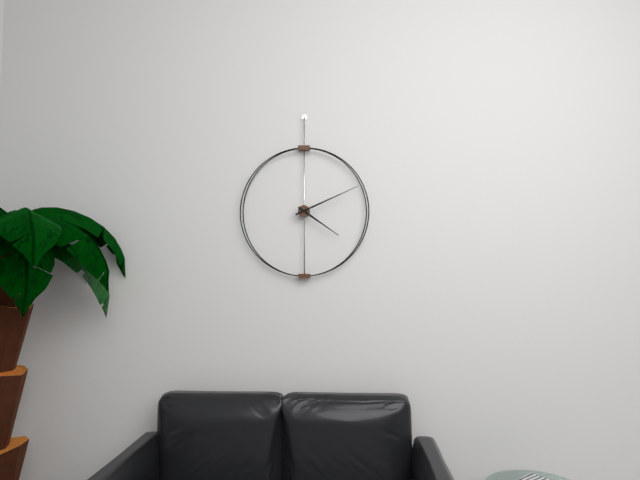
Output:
4,11
